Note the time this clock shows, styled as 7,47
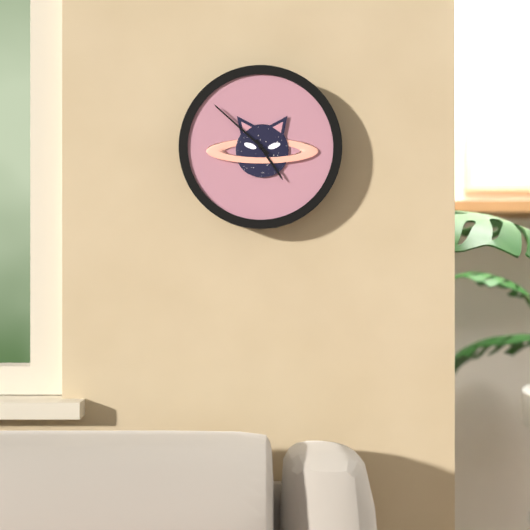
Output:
4,52
